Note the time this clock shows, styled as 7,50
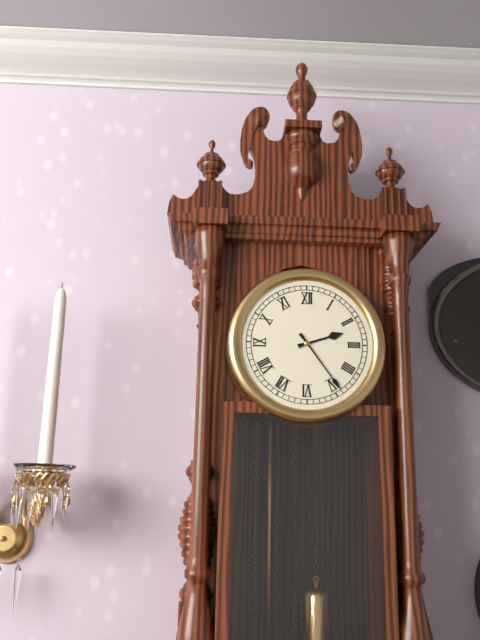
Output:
2,24
